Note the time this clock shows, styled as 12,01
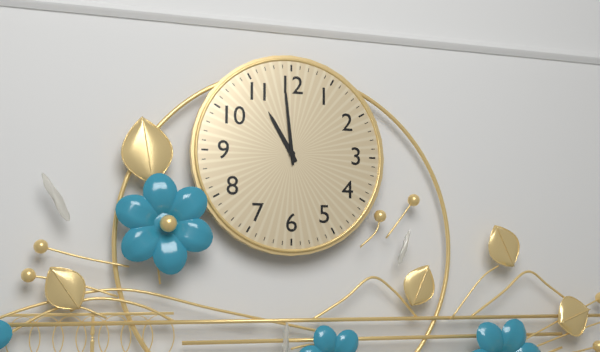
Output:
10,59
